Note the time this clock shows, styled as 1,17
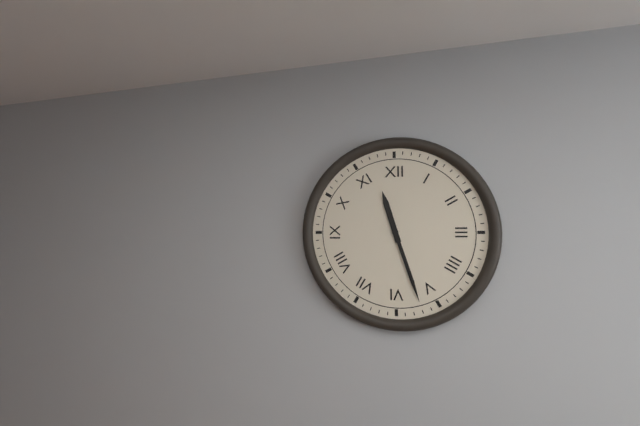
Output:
11,27
